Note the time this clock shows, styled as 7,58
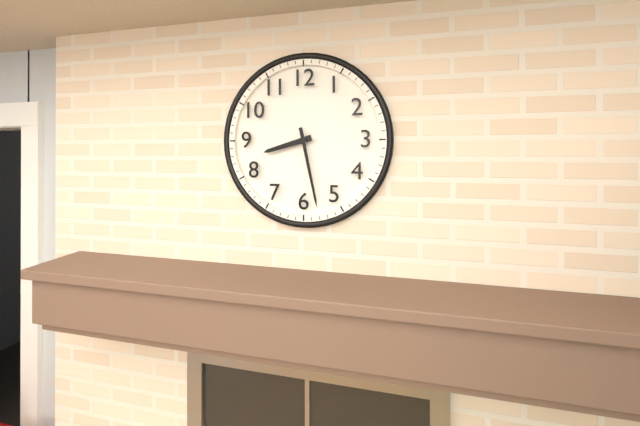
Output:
8,28
